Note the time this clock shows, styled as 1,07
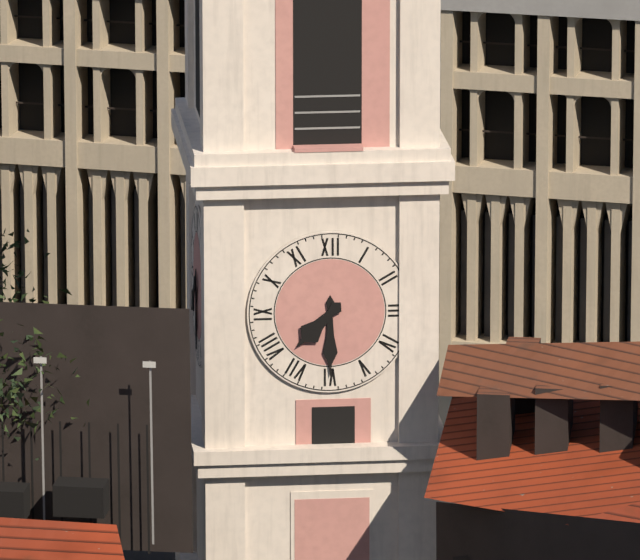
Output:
7,30
